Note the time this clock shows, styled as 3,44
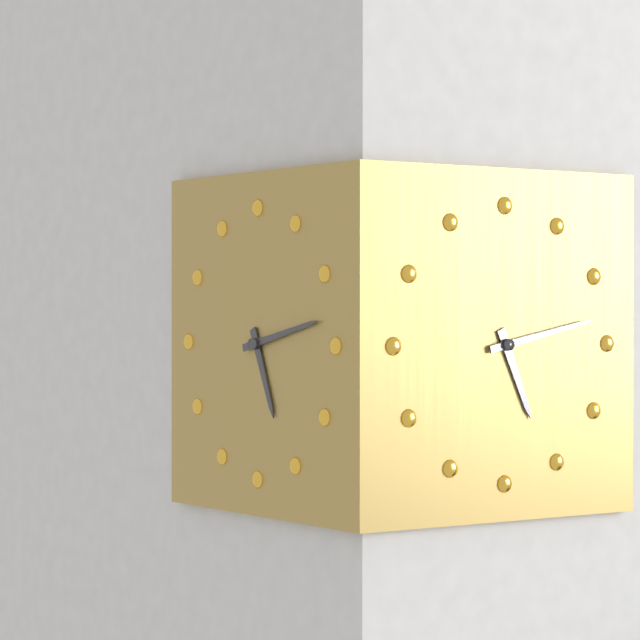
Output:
5,13
